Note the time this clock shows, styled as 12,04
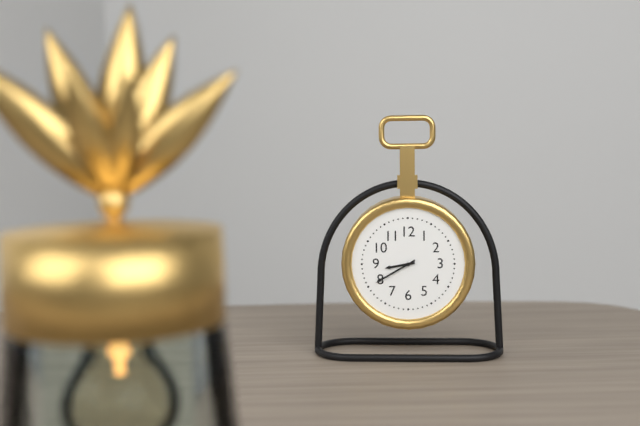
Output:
8,40
